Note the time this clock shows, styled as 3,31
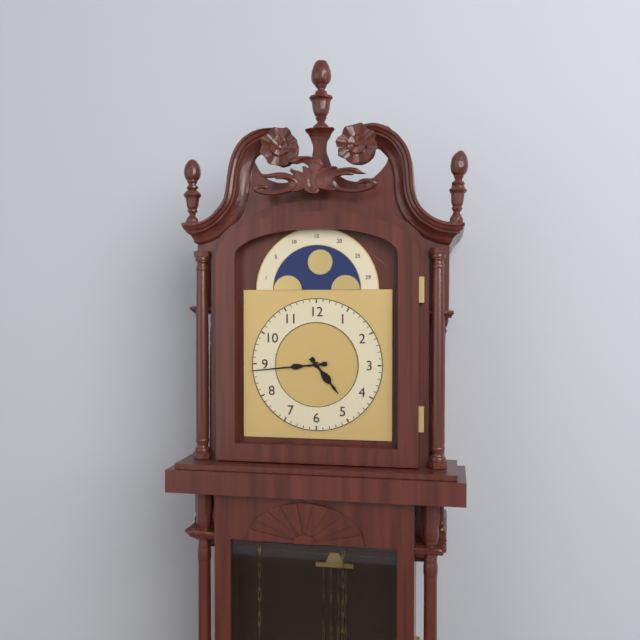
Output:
4,44
